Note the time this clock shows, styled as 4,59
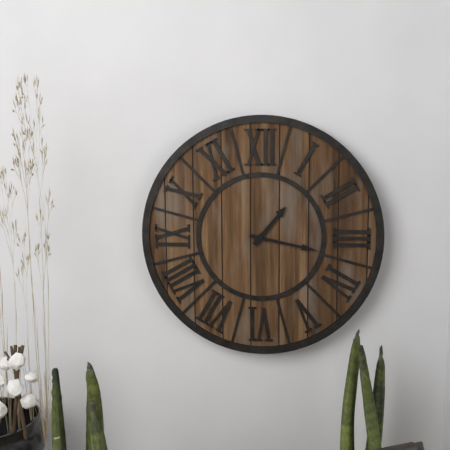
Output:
1,17
